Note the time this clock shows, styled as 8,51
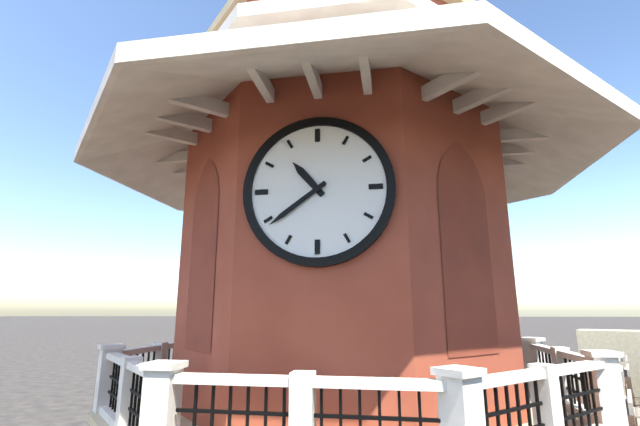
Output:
10,39
